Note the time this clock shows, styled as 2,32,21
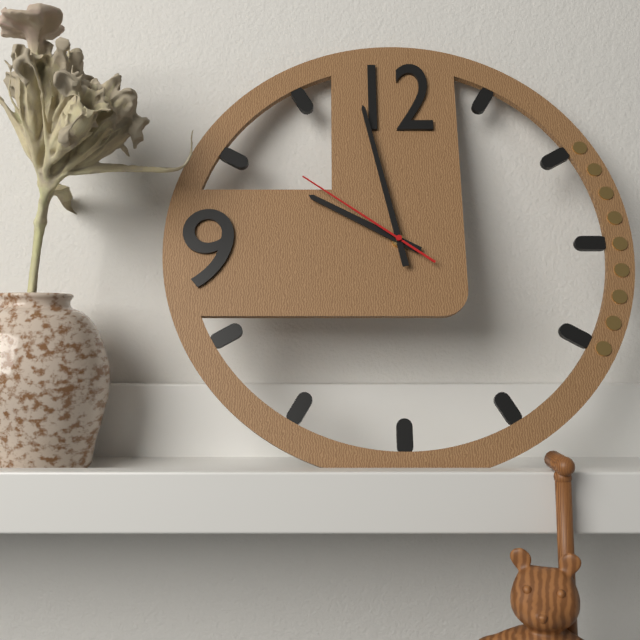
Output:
9,58,51
